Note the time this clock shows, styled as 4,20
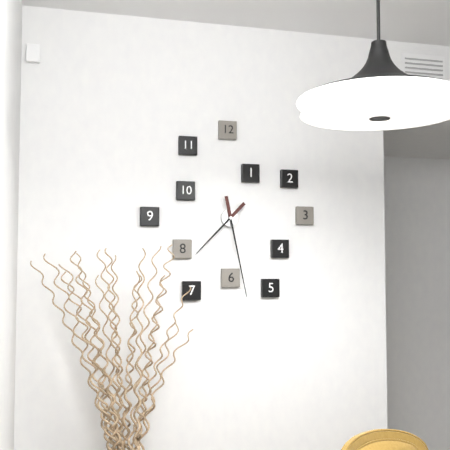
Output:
7,28
